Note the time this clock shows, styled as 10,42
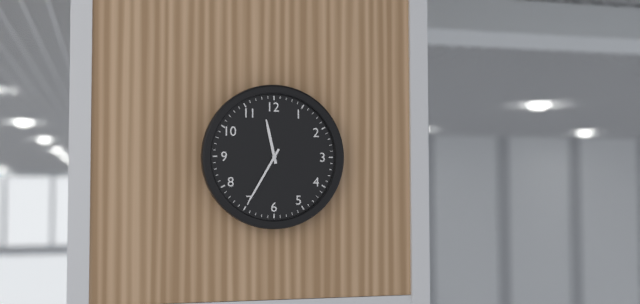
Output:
11,35
